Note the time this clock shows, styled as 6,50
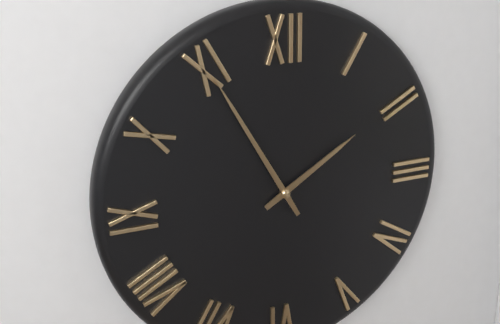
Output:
1,55
